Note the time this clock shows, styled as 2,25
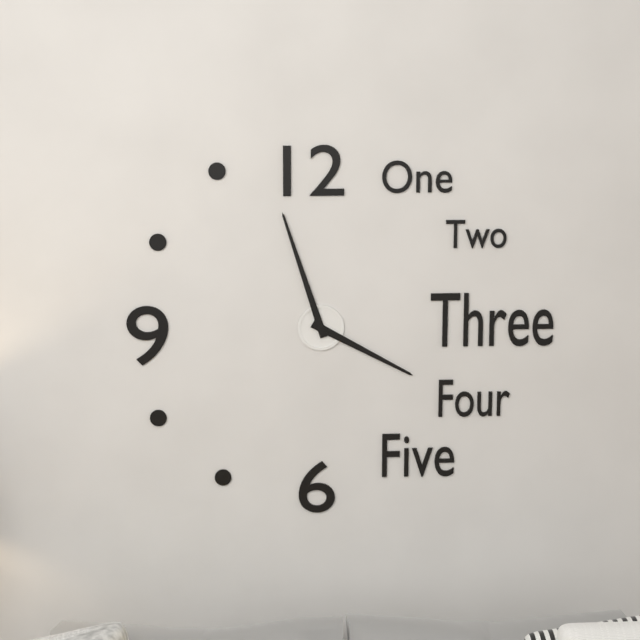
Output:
3,57
